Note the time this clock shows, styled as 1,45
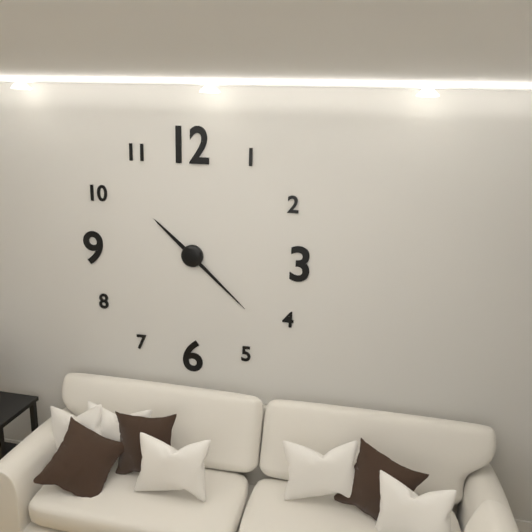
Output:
10,22
